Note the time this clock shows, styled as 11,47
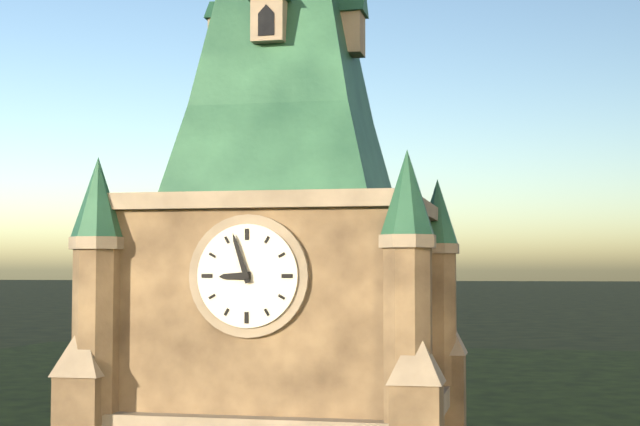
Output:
8,57
